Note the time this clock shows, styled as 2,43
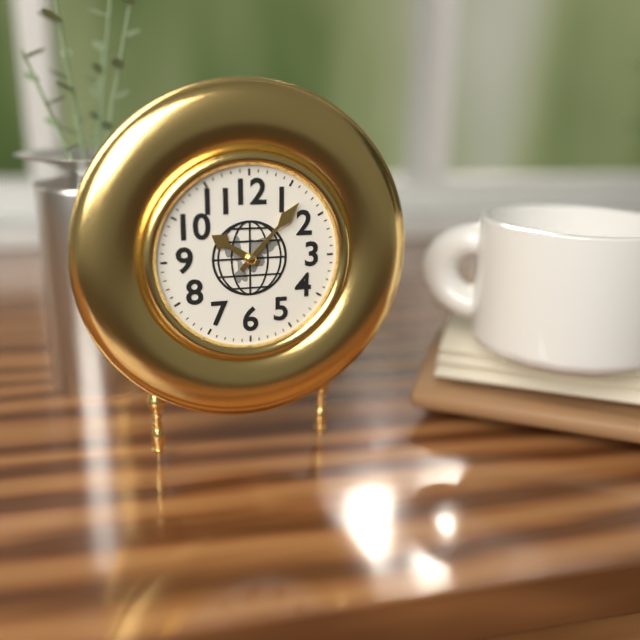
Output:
10,07
